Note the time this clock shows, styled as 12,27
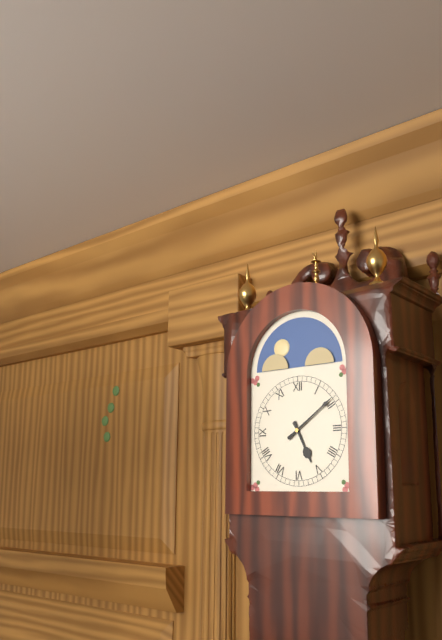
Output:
5,09
